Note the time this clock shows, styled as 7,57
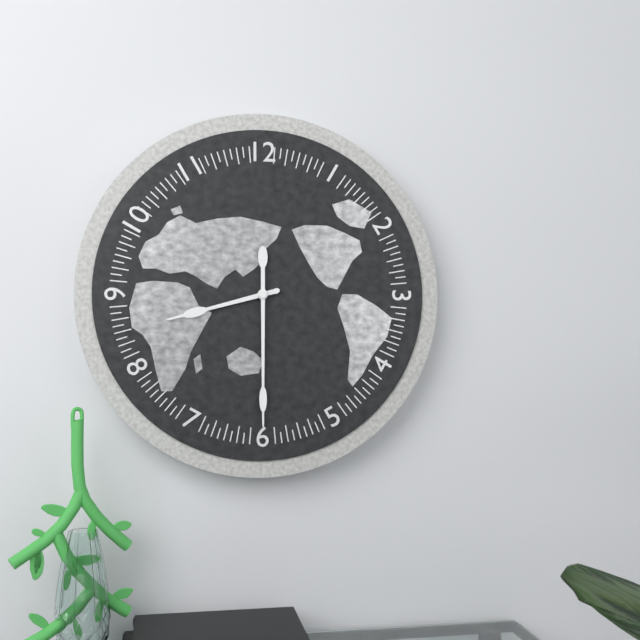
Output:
8,30
